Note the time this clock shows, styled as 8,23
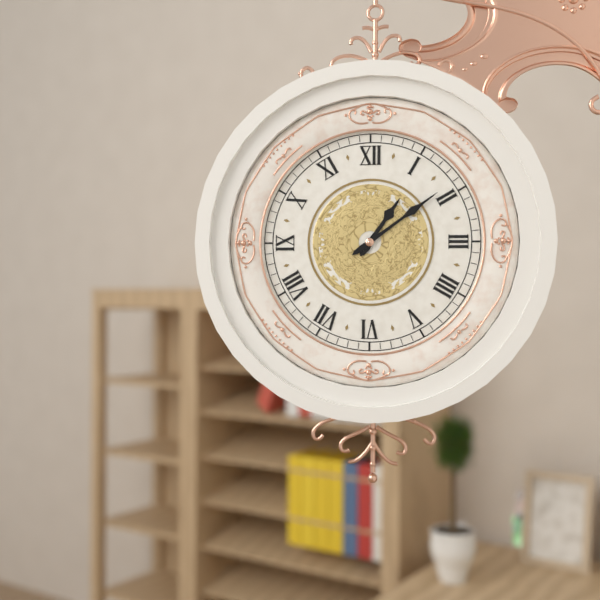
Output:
1,09
